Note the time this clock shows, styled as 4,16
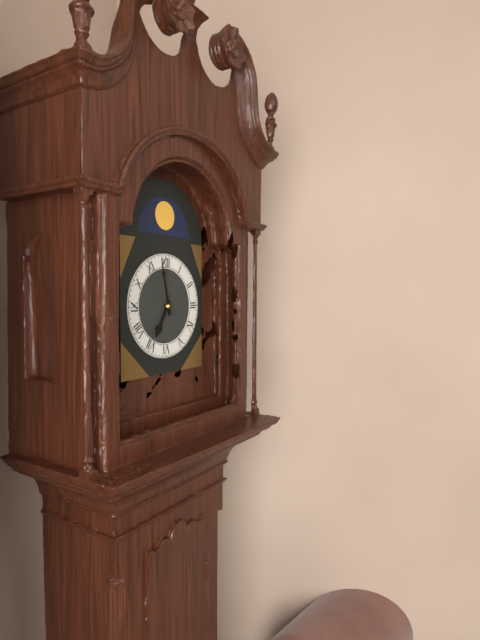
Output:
6,58
